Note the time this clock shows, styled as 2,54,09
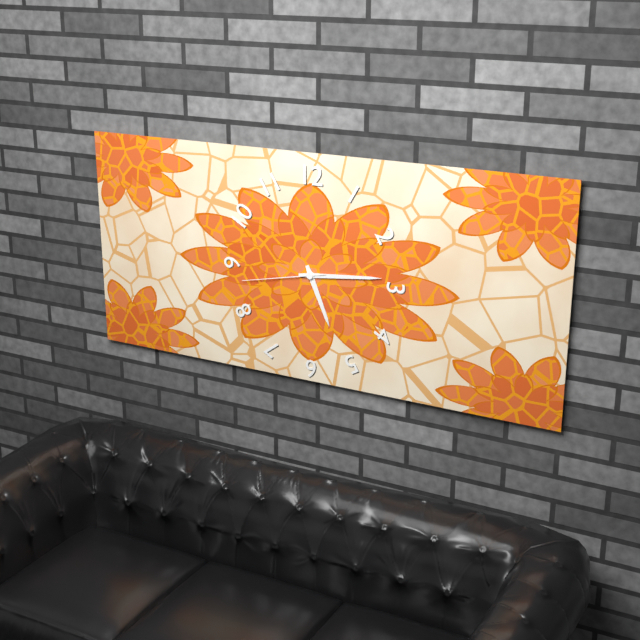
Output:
5,14,43
